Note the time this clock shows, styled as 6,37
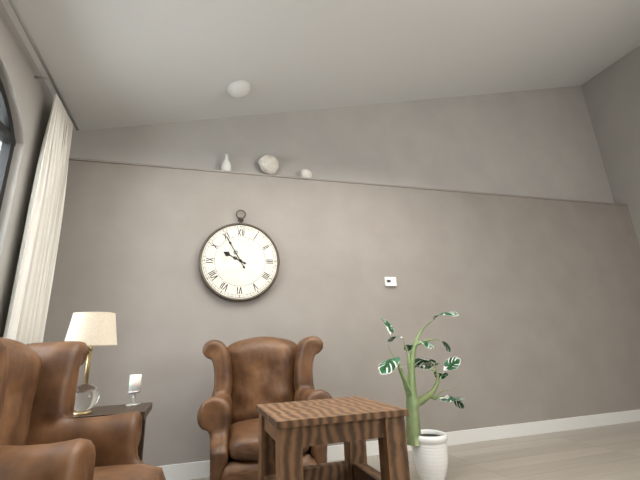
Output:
9,55
